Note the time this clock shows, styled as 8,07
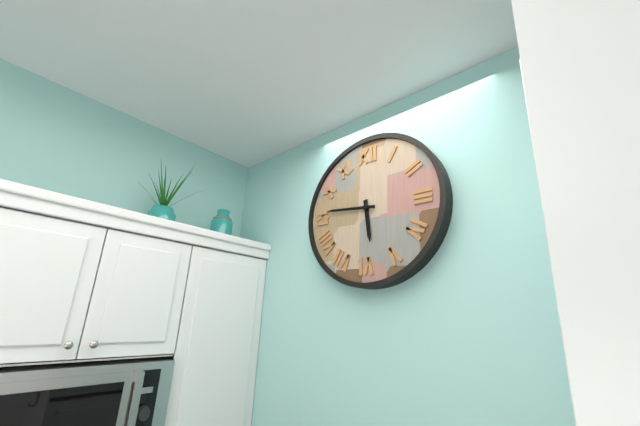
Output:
5,46
